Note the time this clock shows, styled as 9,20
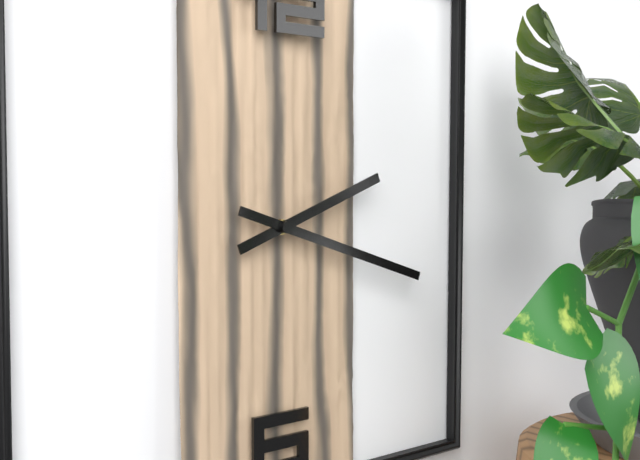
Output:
2,18
